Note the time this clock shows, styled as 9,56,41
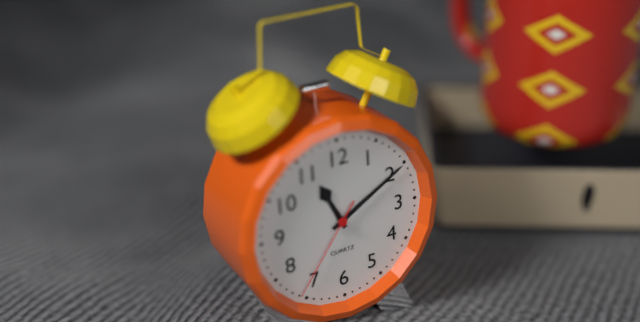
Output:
11,10,36
